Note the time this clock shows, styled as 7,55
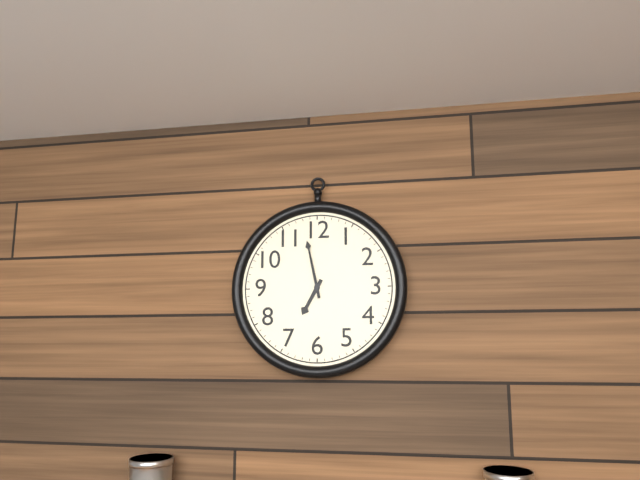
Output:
6,58
